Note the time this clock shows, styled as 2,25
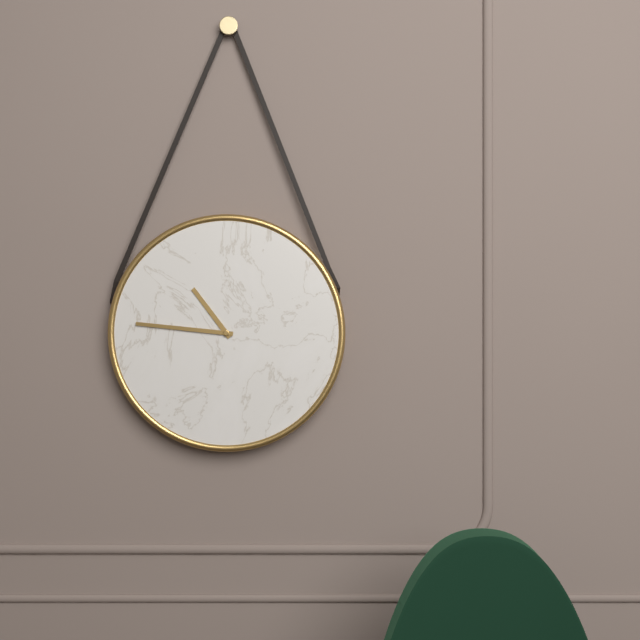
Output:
10,46
